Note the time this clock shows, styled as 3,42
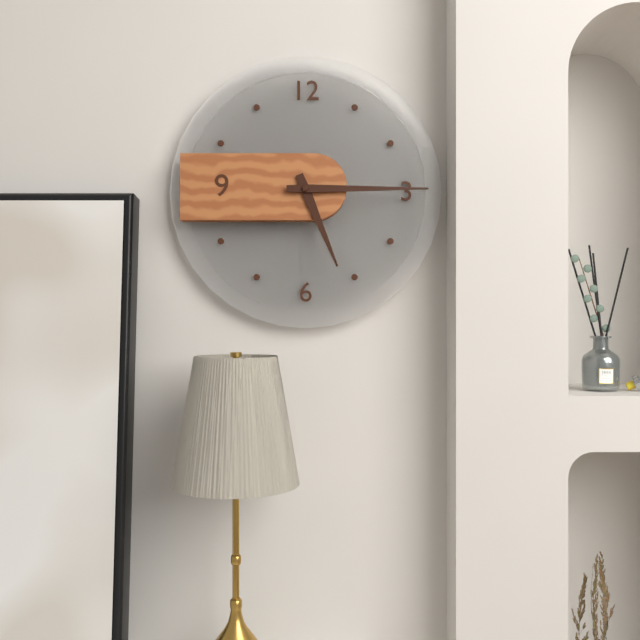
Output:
5,15
